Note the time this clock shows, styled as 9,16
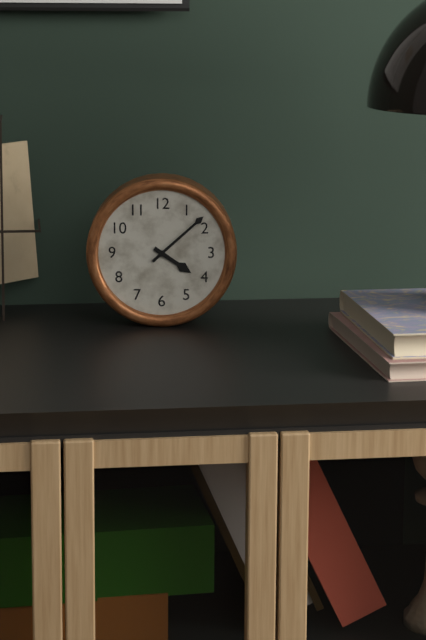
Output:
4,08
